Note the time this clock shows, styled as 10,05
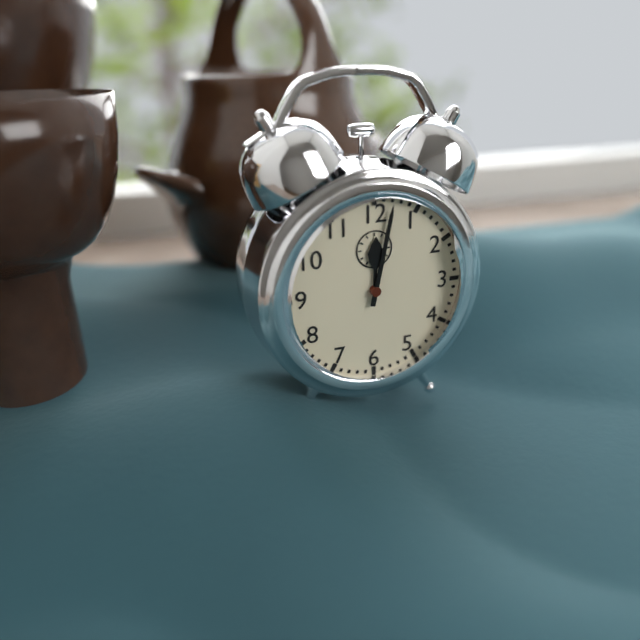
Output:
12,02
